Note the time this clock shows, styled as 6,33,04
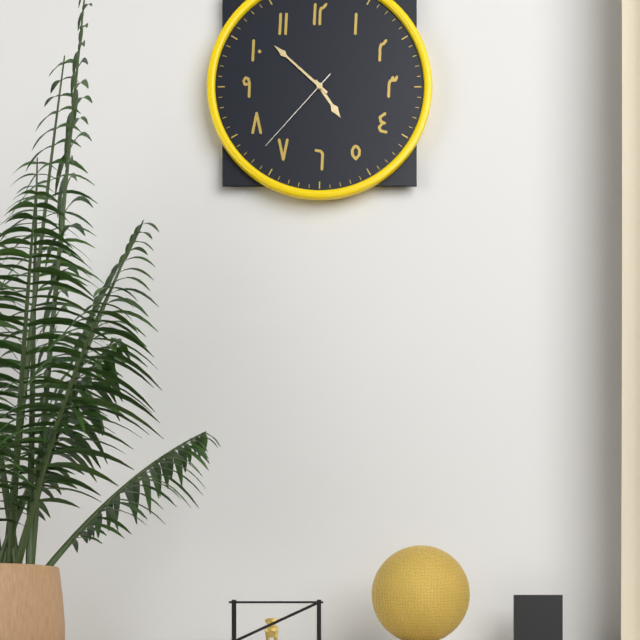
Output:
4,52,37
